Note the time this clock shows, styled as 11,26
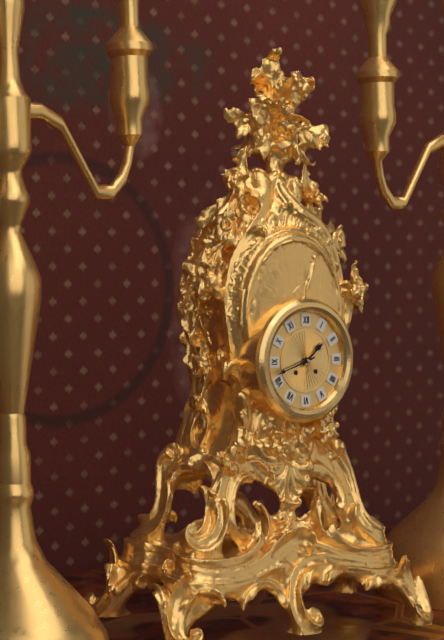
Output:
1,42
